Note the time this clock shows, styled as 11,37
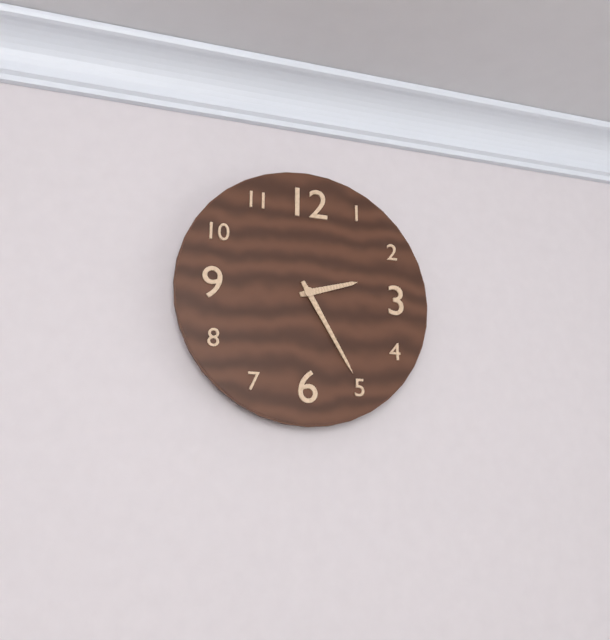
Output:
2,25
